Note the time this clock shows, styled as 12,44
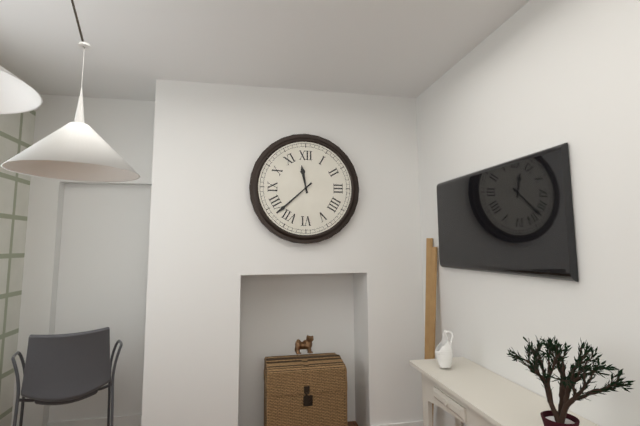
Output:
11,38
